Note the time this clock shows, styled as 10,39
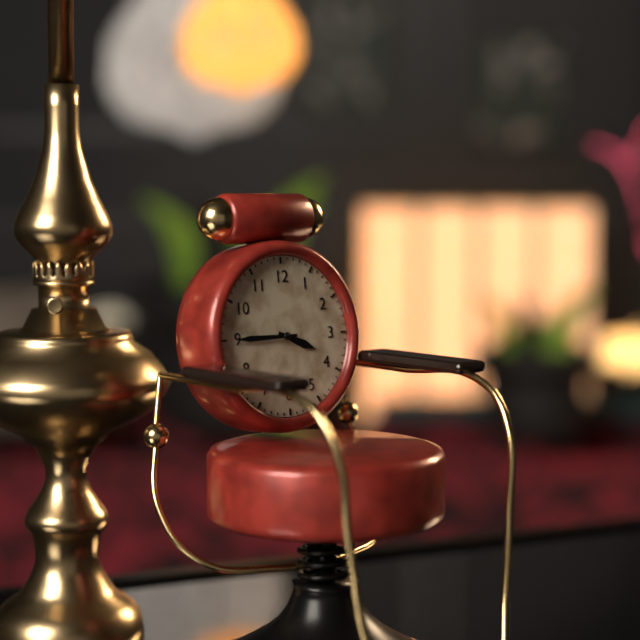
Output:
3,45
